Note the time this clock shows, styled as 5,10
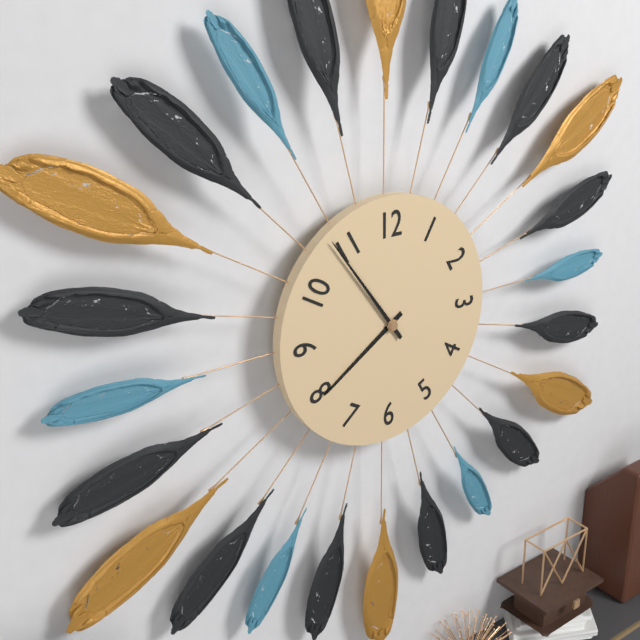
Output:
7,54
